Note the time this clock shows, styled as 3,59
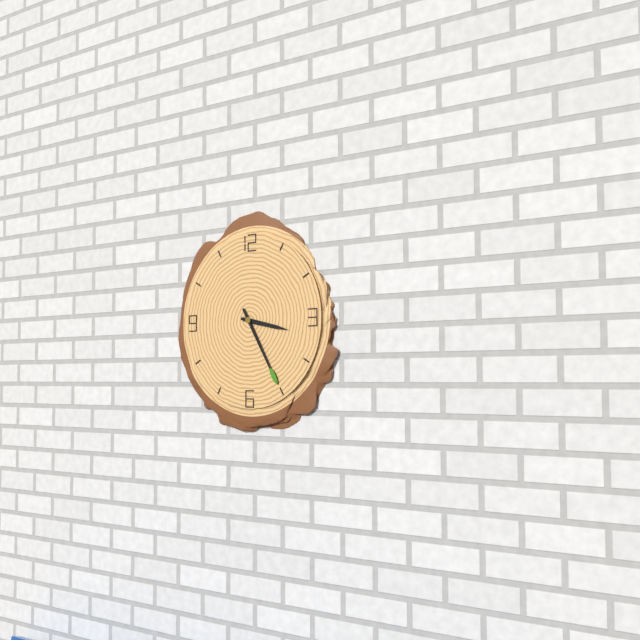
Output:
3,25
